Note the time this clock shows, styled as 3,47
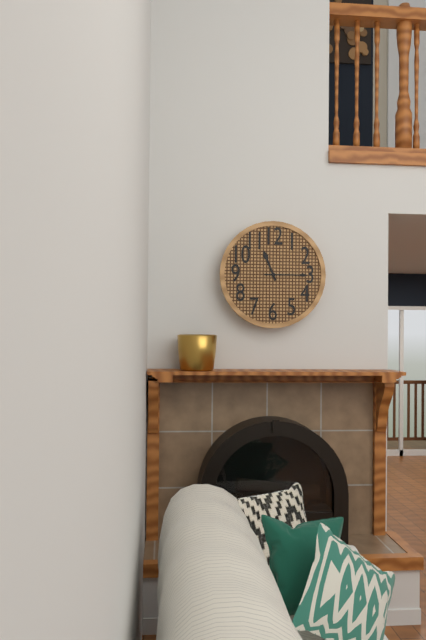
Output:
11,15
